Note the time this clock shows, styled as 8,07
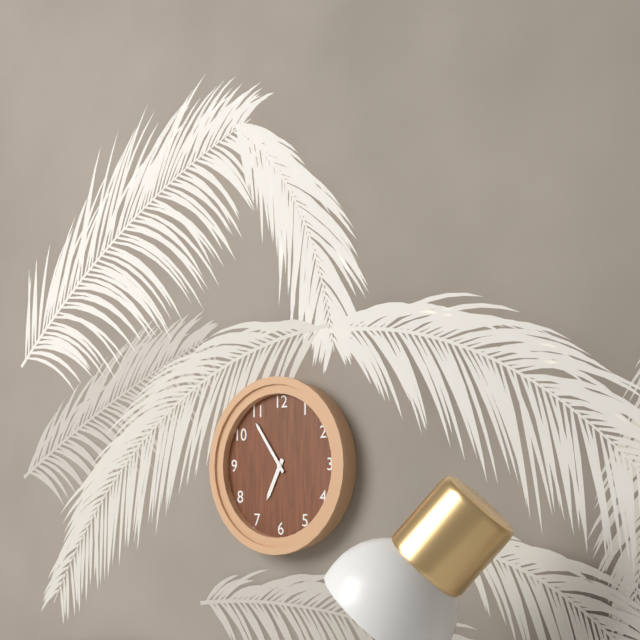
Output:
6,54
